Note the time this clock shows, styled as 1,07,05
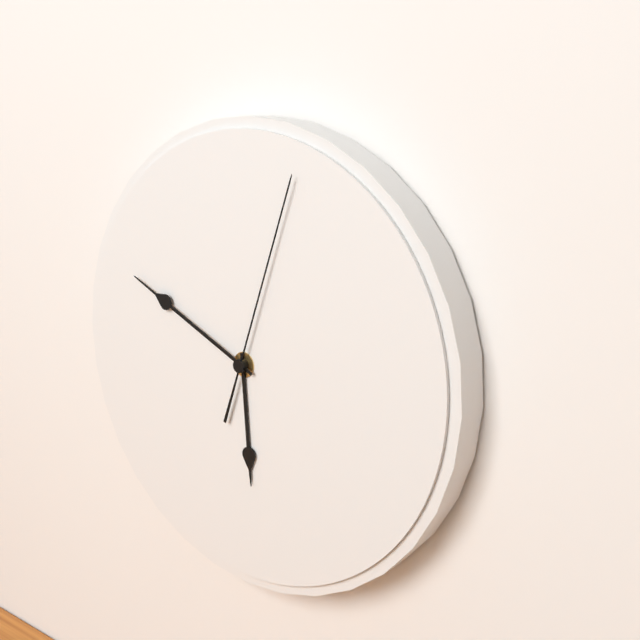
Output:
5,49,03
